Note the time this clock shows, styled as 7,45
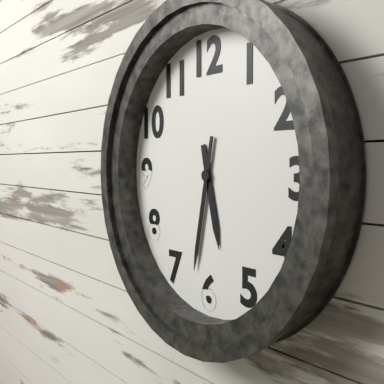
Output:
5,32
